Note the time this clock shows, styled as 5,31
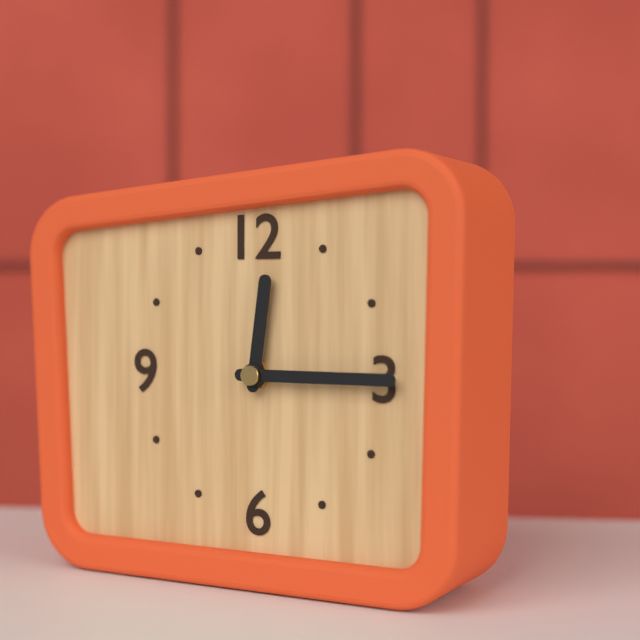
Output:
12,15
